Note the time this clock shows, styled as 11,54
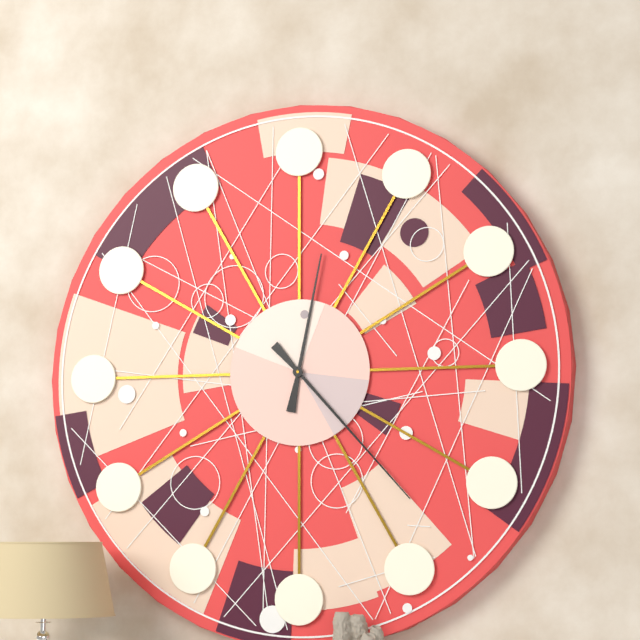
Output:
12,23
